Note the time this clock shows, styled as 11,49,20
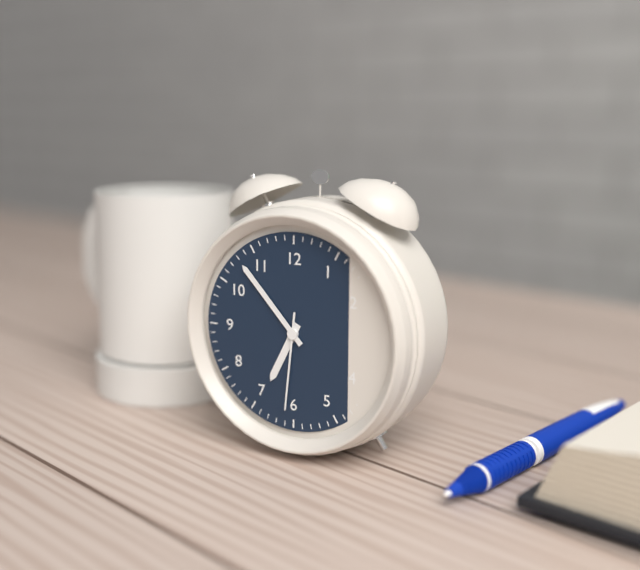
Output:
6,53,31
